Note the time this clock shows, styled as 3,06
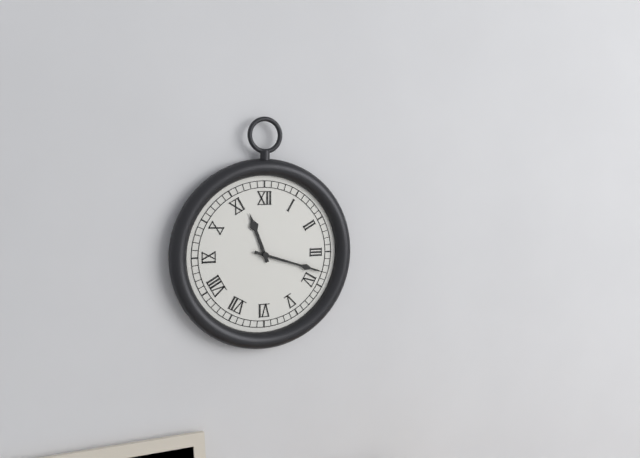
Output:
11,18
